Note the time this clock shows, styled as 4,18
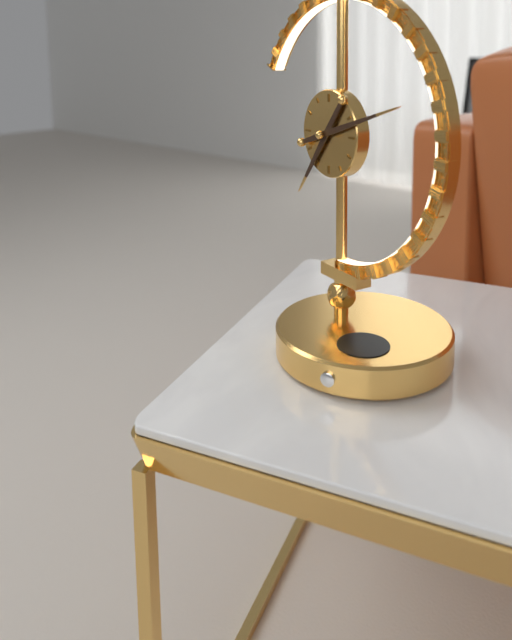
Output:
7,12
